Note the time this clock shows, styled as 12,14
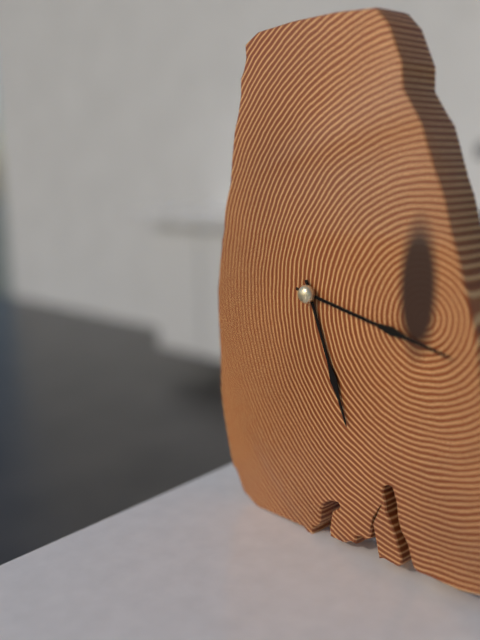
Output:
5,17
